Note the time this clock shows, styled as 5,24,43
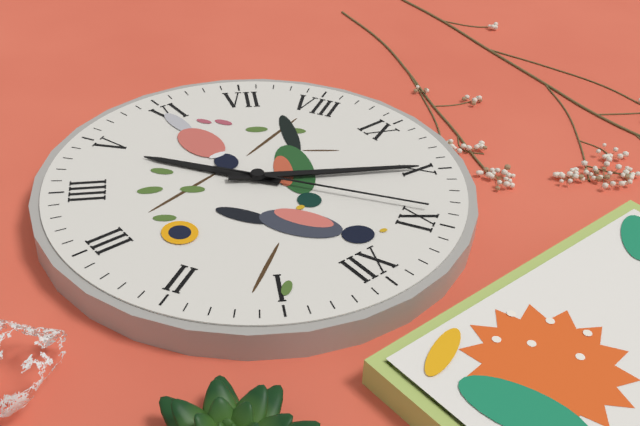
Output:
4,50,54
